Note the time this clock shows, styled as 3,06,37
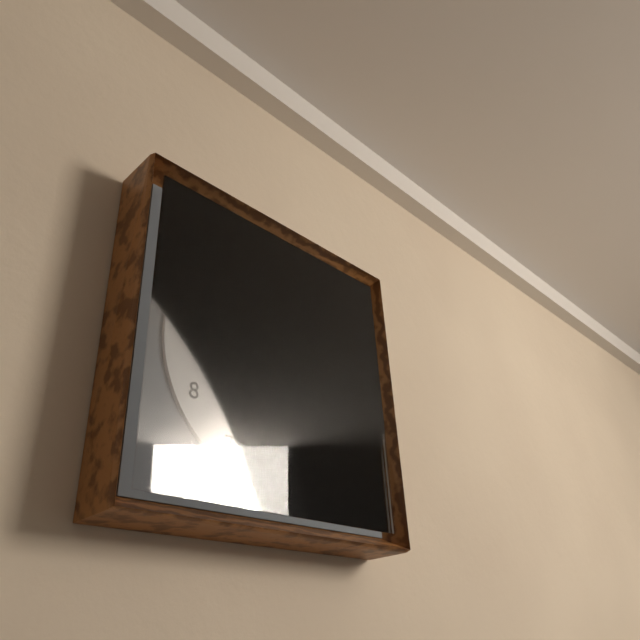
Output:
12,59,02
